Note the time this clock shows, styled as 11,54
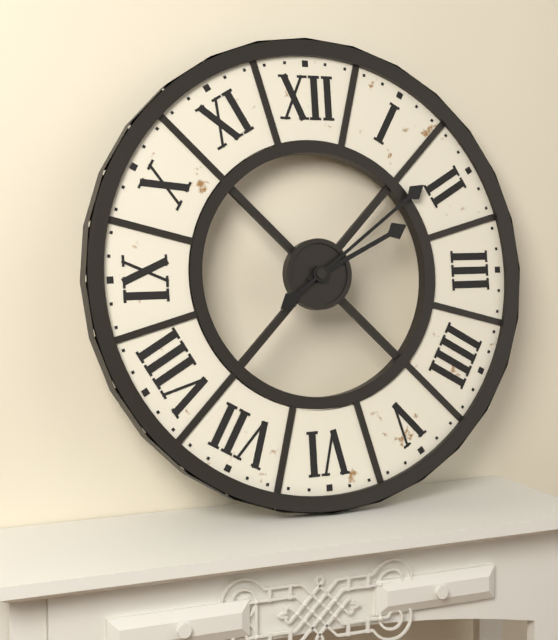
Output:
2,09
